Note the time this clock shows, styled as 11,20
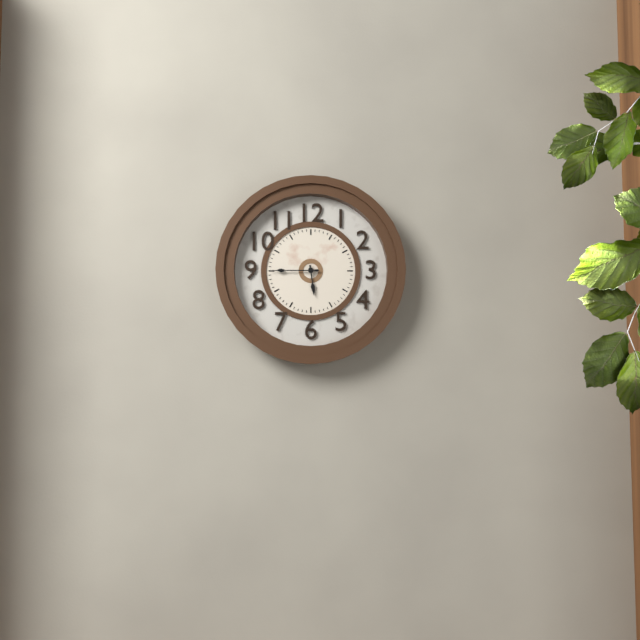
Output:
5,45
